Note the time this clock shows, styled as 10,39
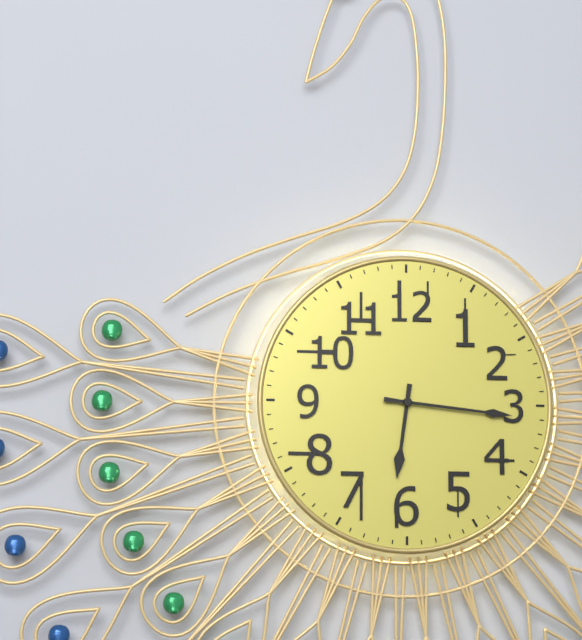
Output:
6,16
